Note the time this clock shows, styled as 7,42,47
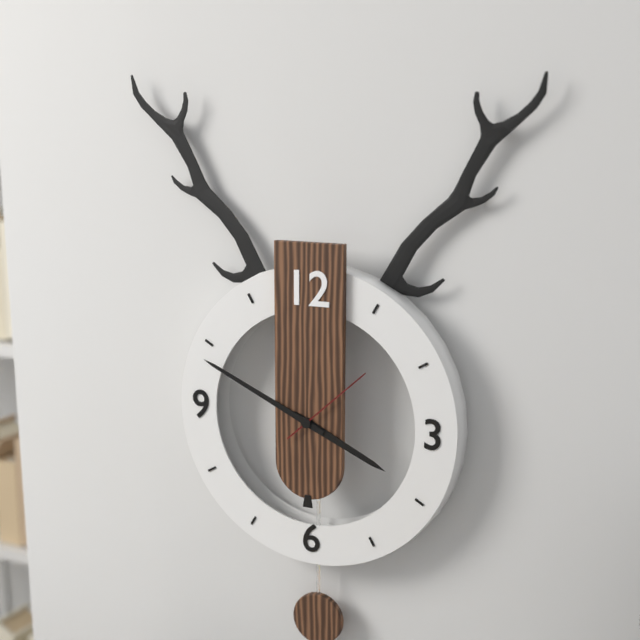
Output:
3,49,08
